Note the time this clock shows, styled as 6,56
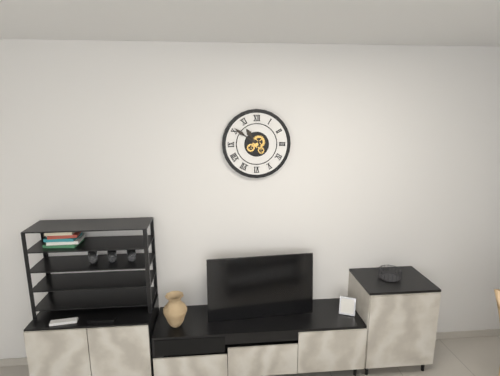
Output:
10,51
